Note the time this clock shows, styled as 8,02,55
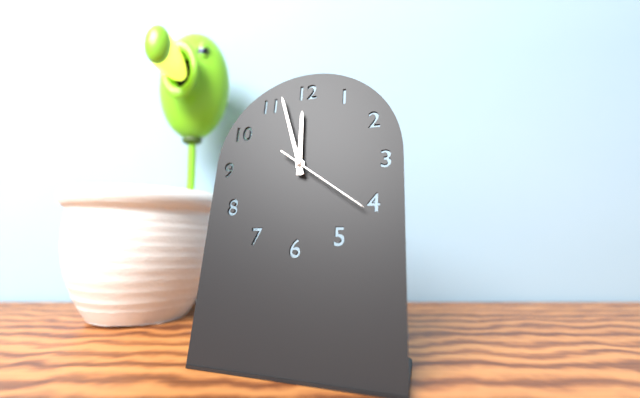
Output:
11,57,21
